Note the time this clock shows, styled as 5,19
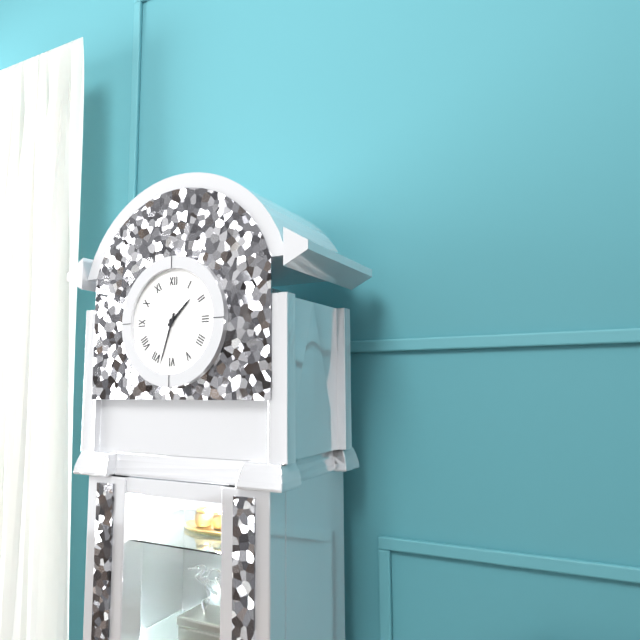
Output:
1,33
